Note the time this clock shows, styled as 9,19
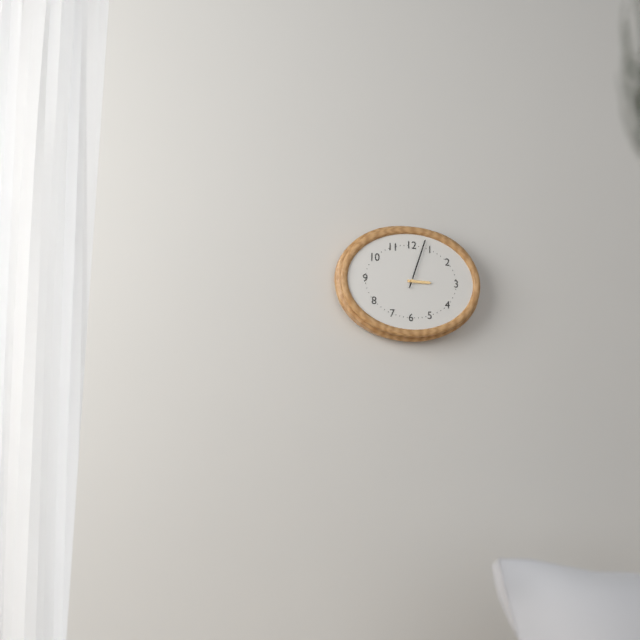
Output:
3,03
